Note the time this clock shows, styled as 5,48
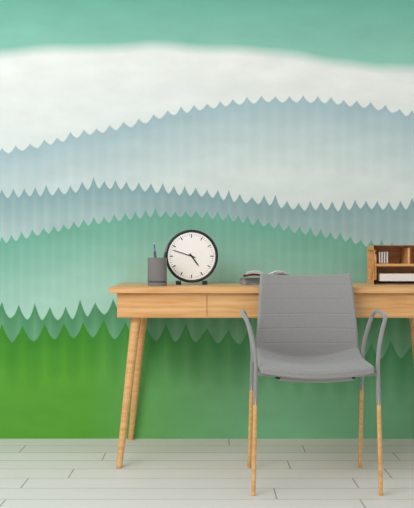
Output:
4,48
